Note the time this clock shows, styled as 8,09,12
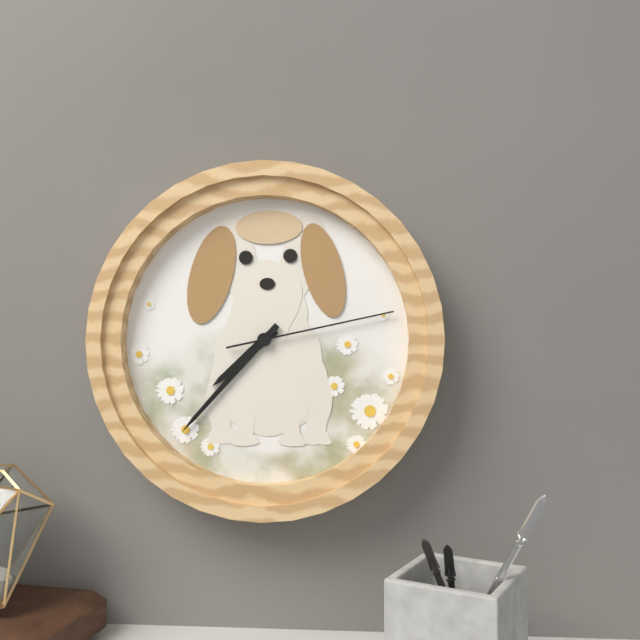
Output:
7,37,13
